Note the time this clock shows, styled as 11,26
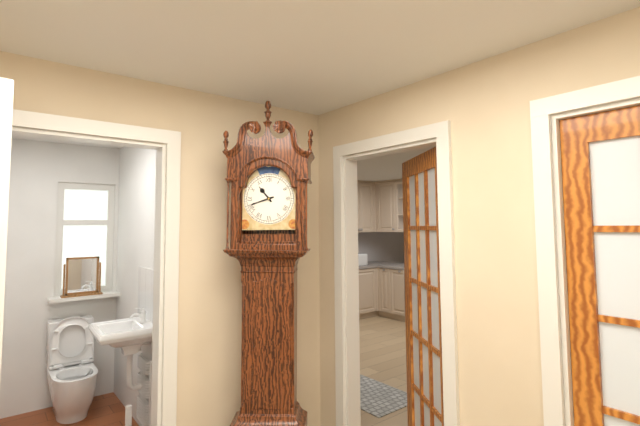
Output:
10,42
